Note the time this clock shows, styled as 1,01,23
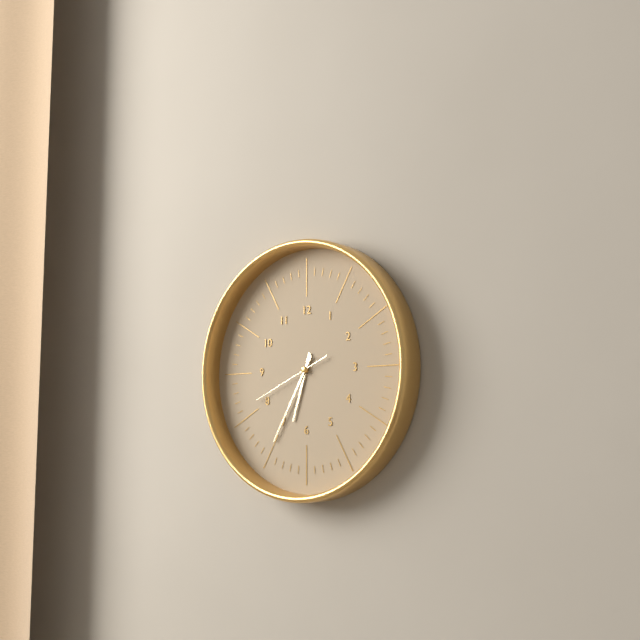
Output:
6,35,41
